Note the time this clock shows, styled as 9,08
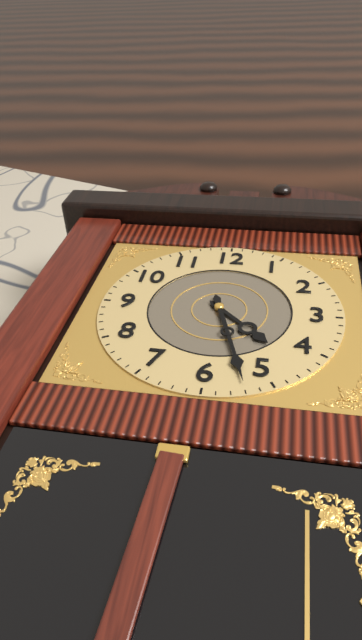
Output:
4,27
